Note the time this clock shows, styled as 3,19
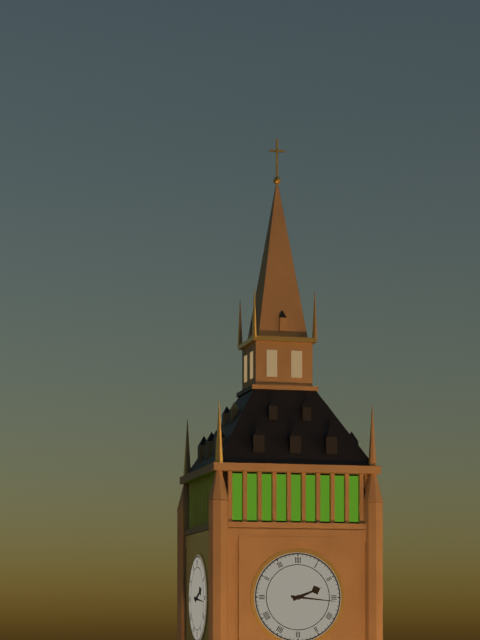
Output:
2,16
